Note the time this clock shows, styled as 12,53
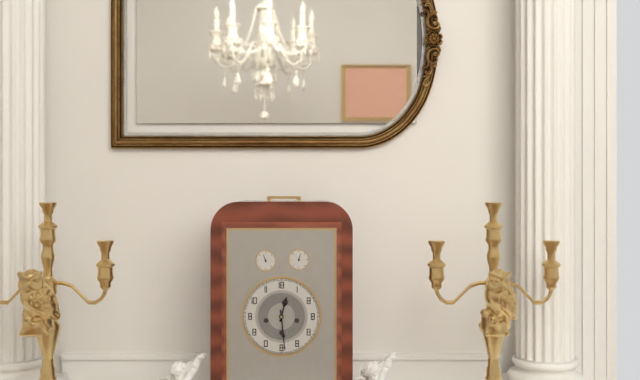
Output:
12,29
